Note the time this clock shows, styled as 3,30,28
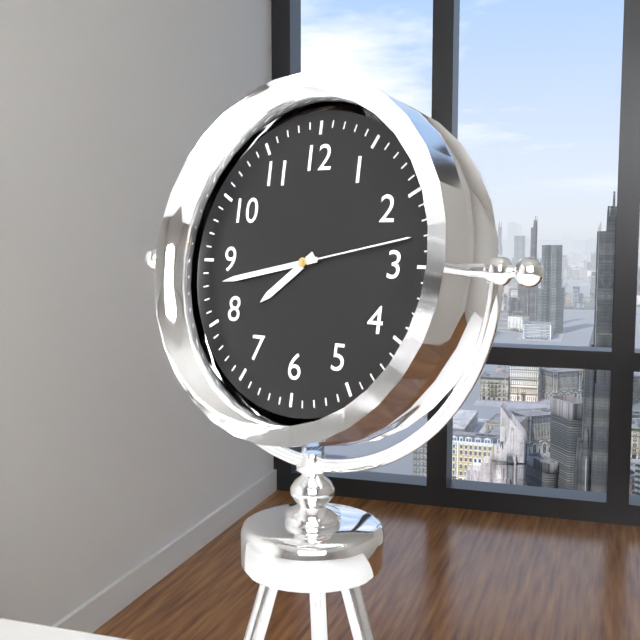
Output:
7,43,13
